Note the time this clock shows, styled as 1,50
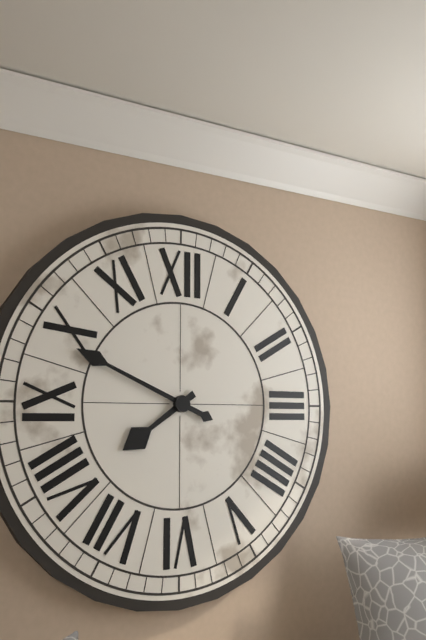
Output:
7,49
